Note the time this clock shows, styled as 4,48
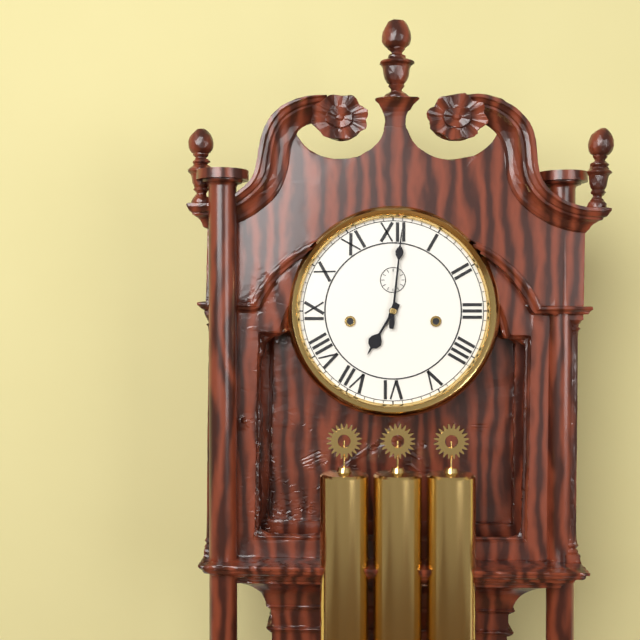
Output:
7,01
